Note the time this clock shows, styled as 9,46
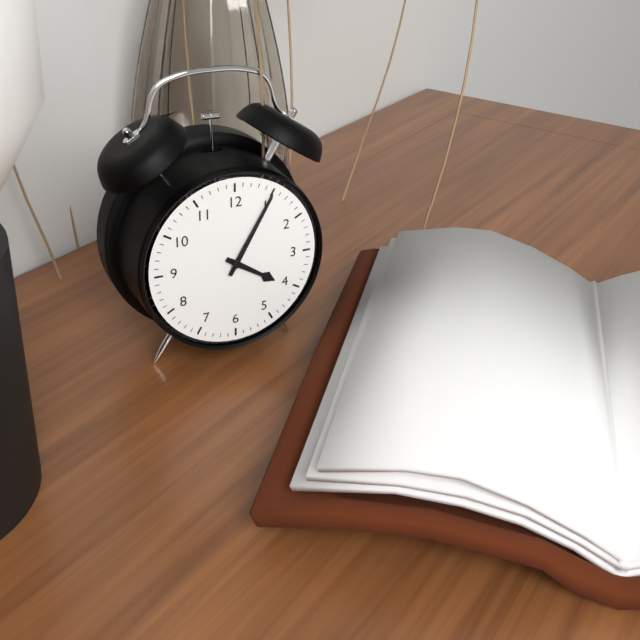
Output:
4,05
